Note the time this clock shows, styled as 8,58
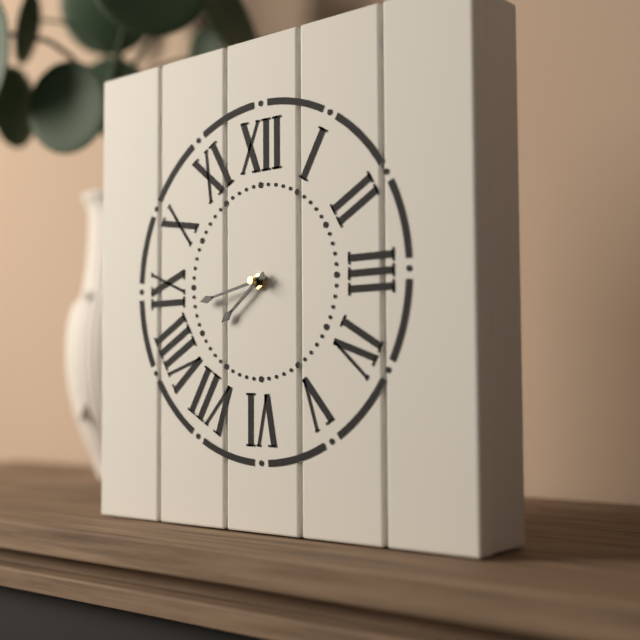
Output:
7,43
